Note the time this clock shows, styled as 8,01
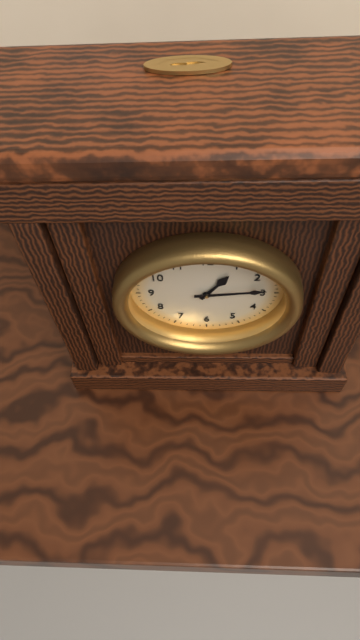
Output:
1,14
